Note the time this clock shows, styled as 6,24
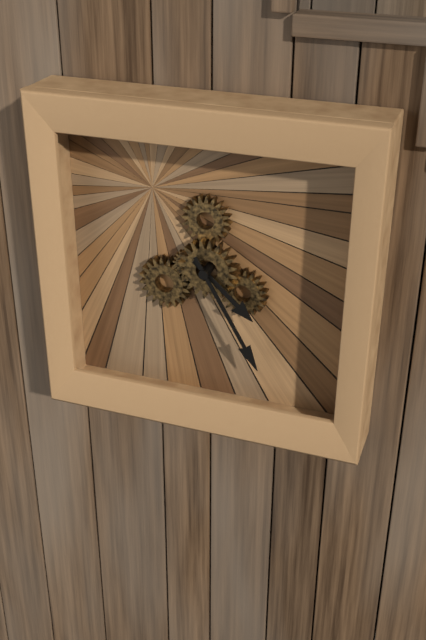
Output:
4,25
